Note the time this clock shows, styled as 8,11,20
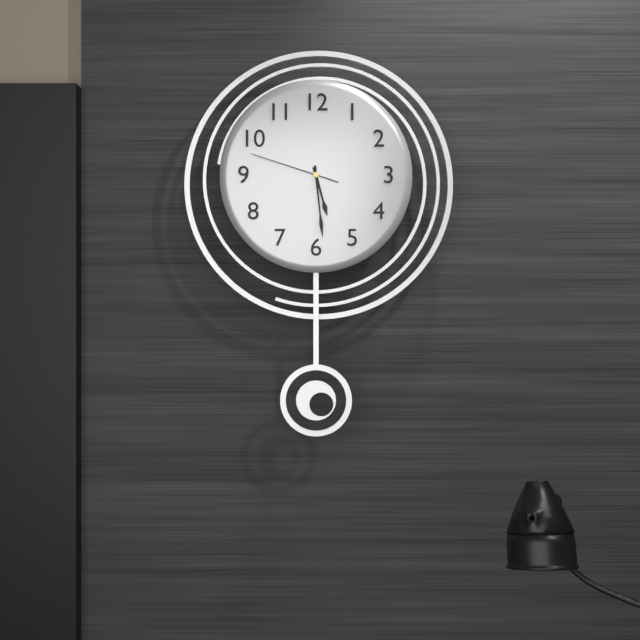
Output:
5,29,48
